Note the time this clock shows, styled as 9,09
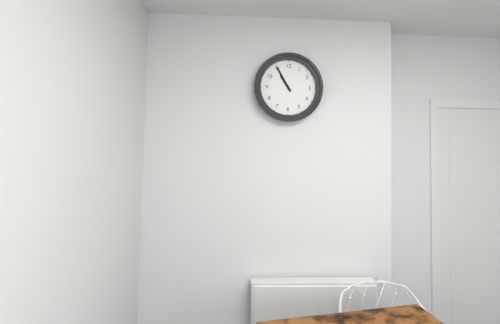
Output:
10,55
